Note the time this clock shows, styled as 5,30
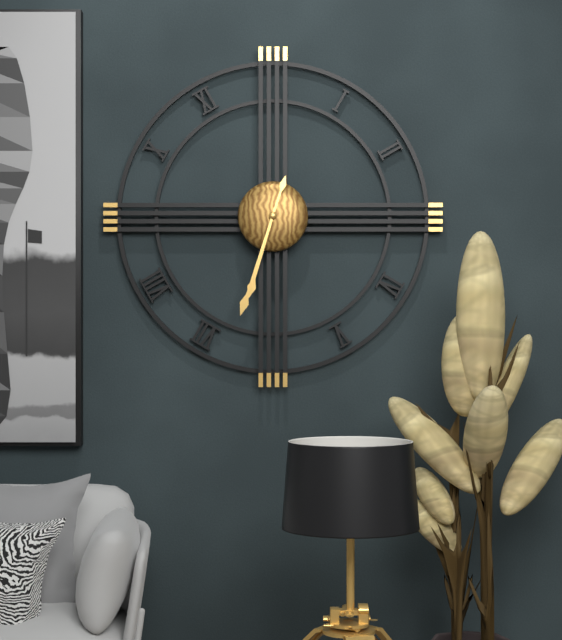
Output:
6,33
